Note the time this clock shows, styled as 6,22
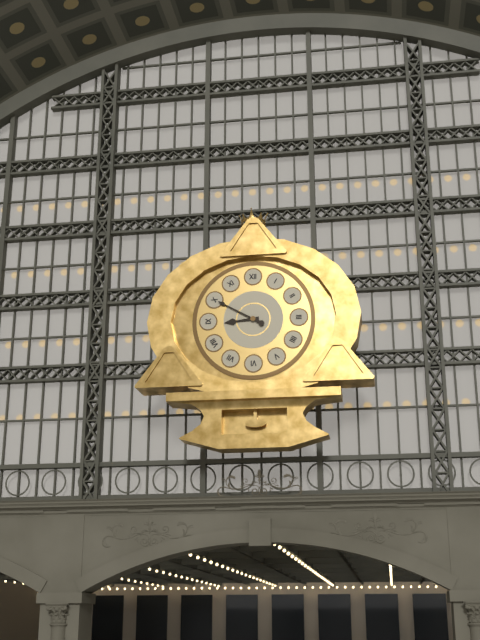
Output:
8,50
